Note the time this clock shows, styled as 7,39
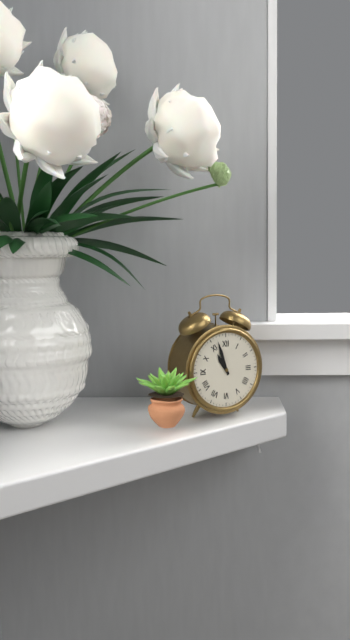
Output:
10,57
